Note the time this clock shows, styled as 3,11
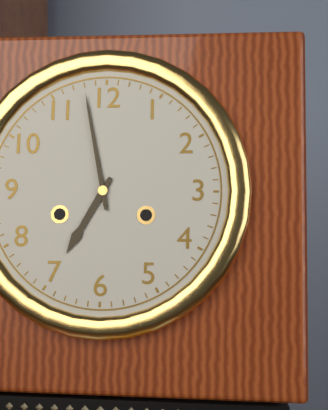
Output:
6,58
